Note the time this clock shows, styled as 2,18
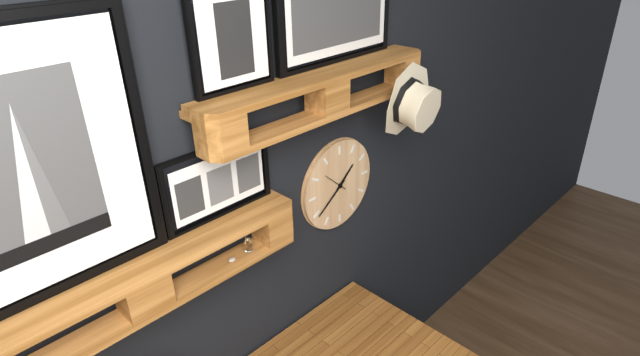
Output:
1,39
